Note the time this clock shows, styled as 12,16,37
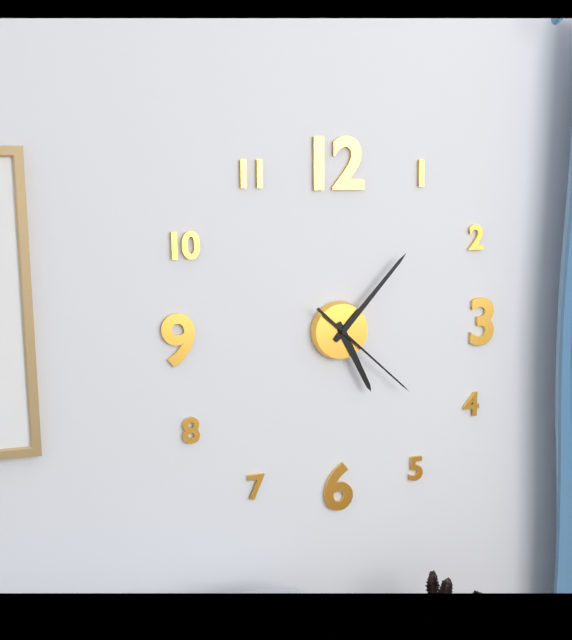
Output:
5,07,22
